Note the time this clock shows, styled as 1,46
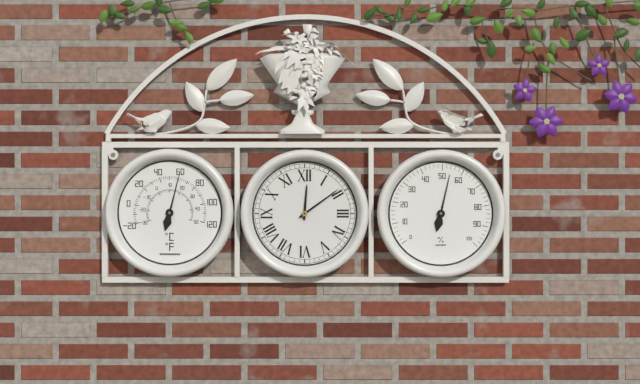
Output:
12,09
